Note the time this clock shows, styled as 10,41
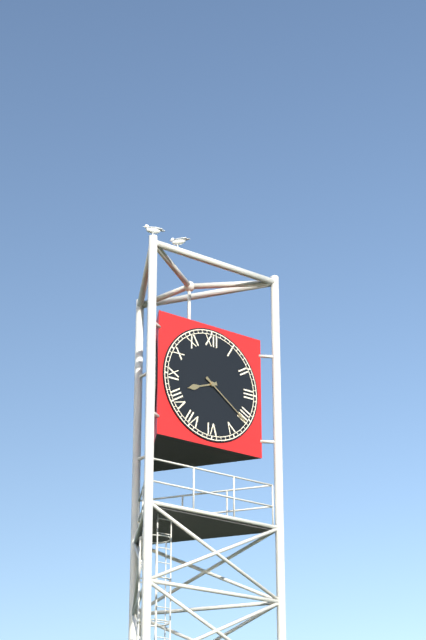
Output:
8,21
